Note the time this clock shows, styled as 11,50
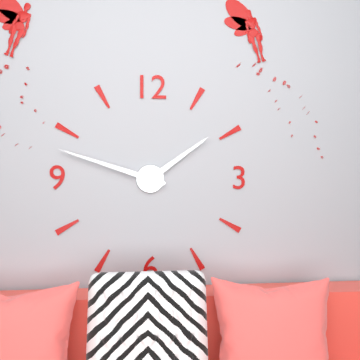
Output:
1,48
